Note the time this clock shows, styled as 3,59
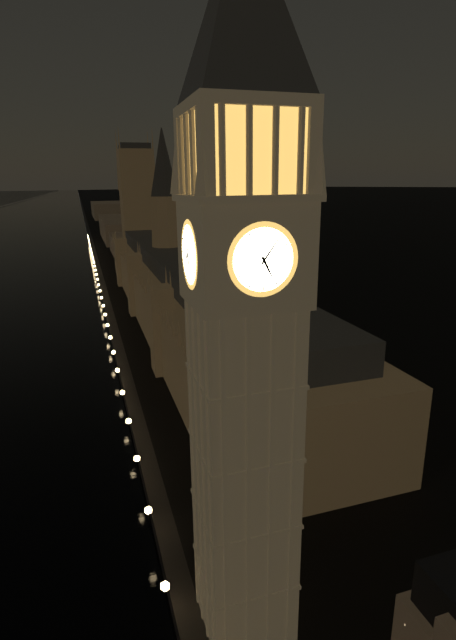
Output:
5,06
